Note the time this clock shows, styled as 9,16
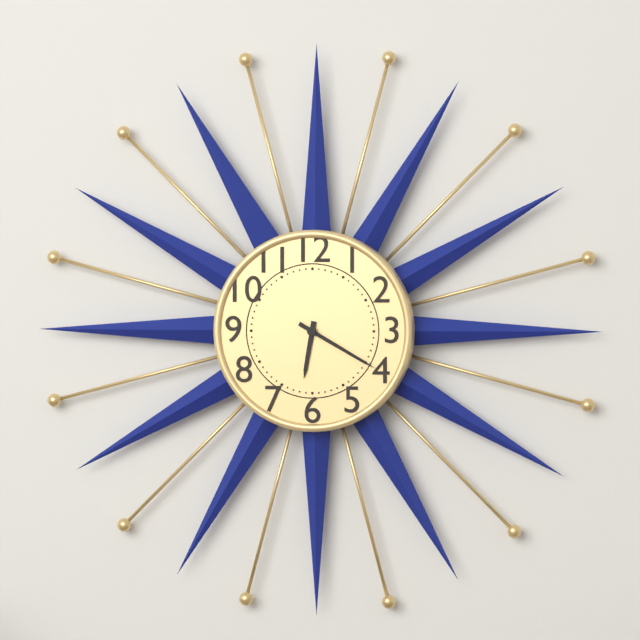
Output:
6,20
